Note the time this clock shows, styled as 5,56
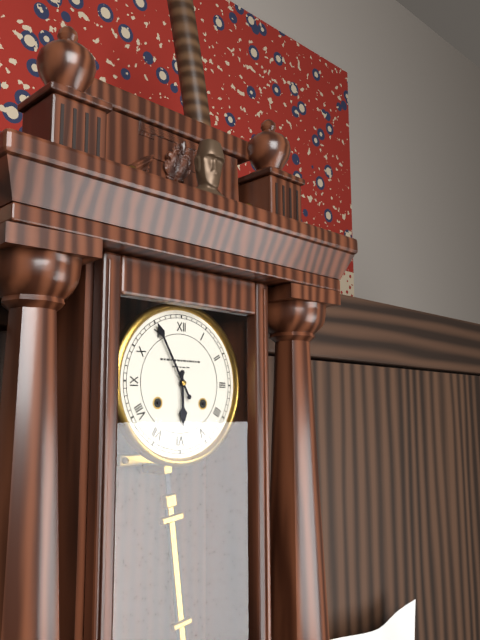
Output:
5,55
